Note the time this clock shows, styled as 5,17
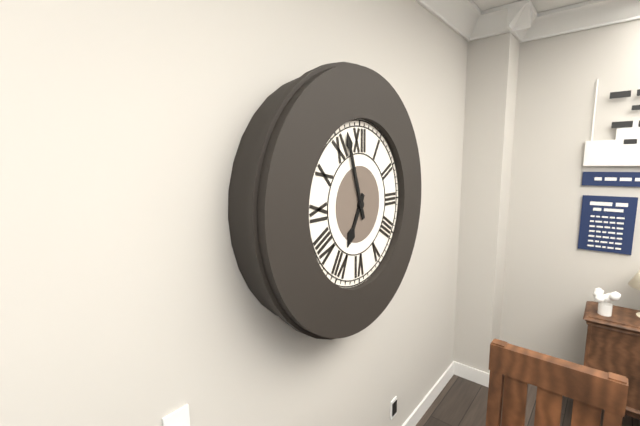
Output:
6,57
